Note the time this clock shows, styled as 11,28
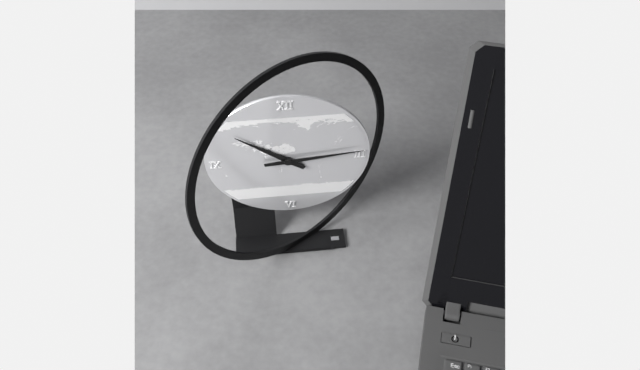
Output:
10,14
